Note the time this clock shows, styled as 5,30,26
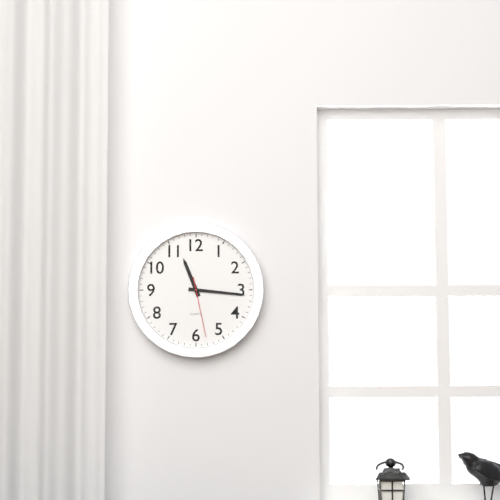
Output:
11,16,28
